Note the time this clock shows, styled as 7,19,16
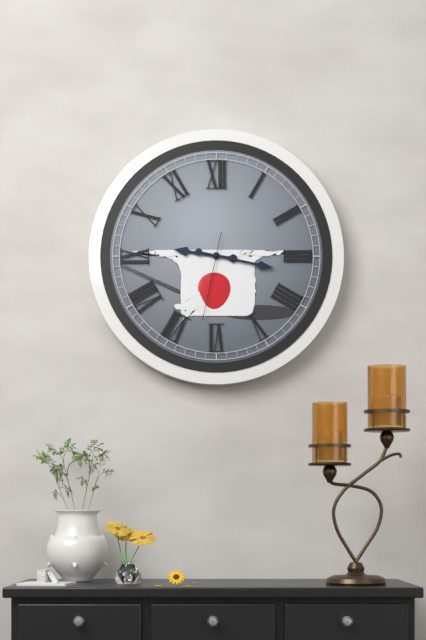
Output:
9,17,32
